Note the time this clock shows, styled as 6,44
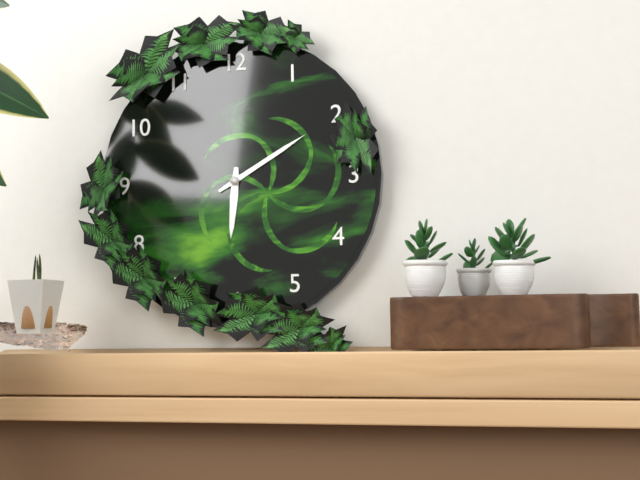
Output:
6,10
